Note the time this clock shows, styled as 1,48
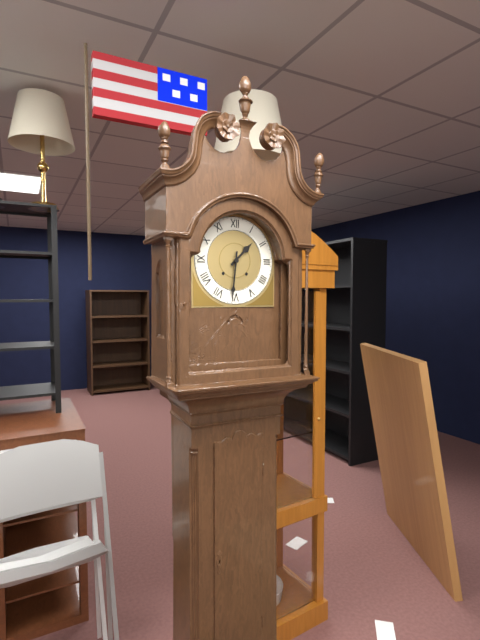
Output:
1,31
